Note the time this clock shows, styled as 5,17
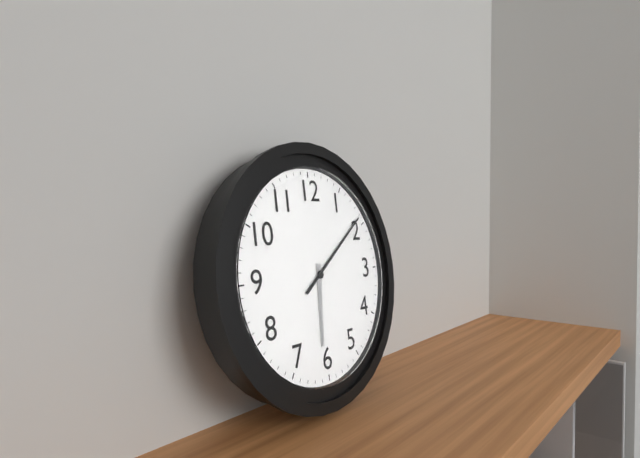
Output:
6,09
